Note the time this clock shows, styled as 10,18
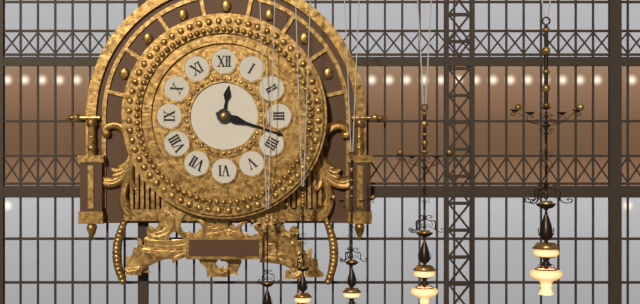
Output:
12,18
